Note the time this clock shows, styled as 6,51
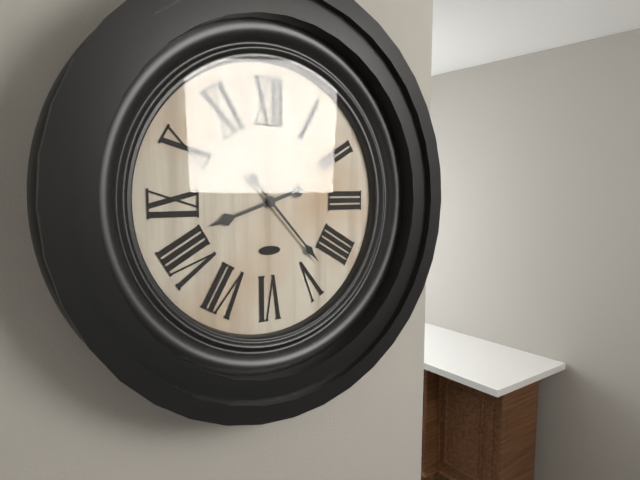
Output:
8,23
